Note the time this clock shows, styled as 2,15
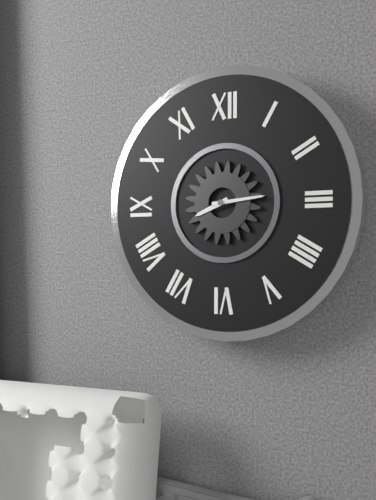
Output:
8,14
